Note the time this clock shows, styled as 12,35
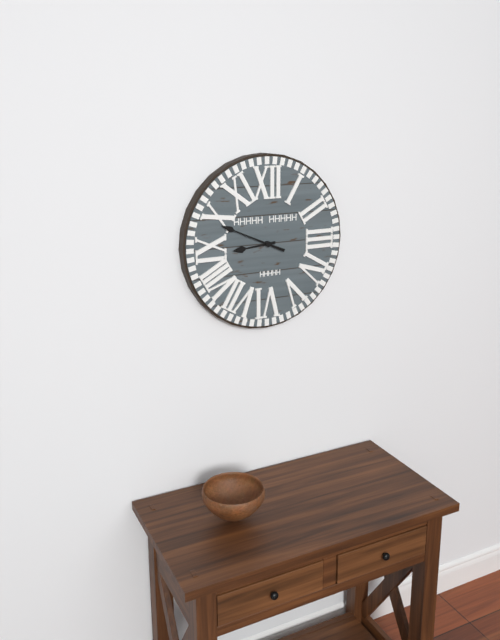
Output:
8,49
